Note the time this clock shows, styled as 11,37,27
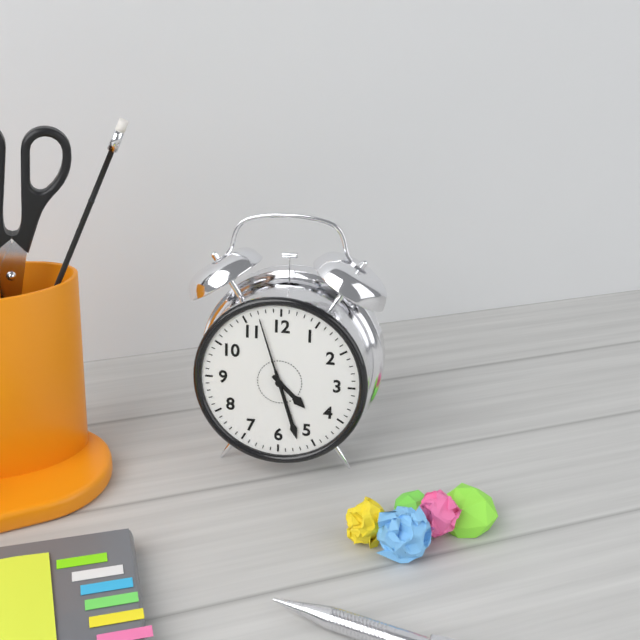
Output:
4,27,57
